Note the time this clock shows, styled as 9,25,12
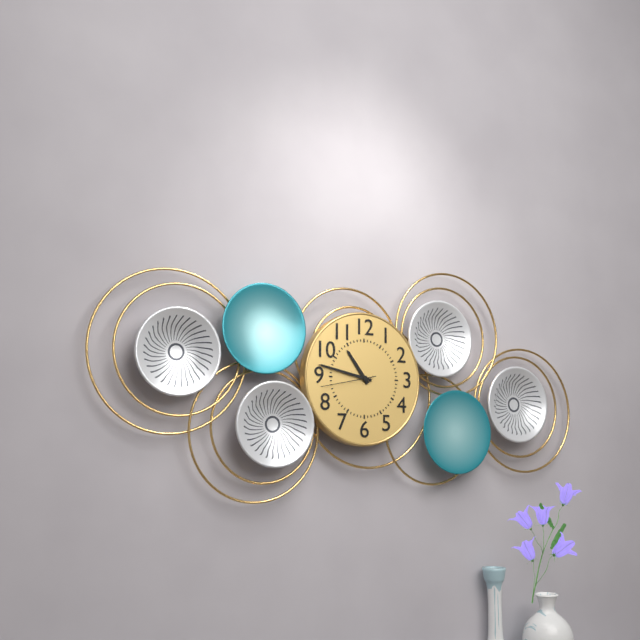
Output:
10,47,43
